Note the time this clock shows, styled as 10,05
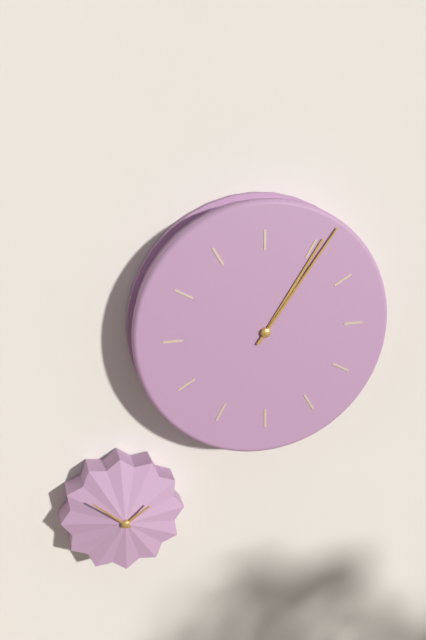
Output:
1,06
